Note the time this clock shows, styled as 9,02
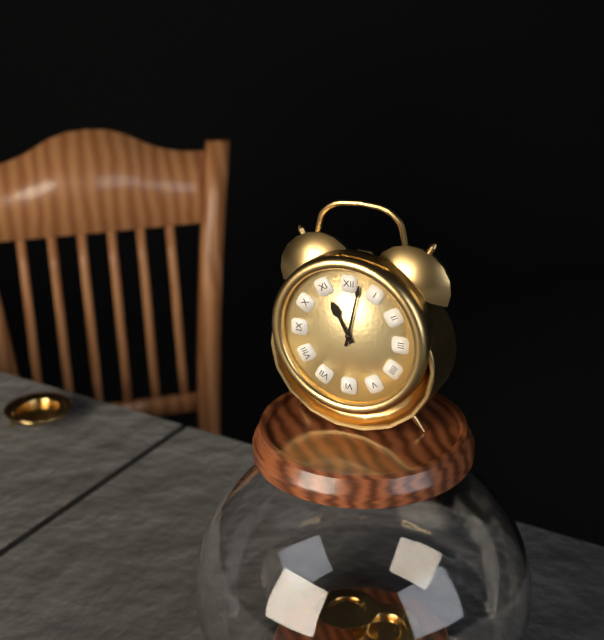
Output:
11,02
